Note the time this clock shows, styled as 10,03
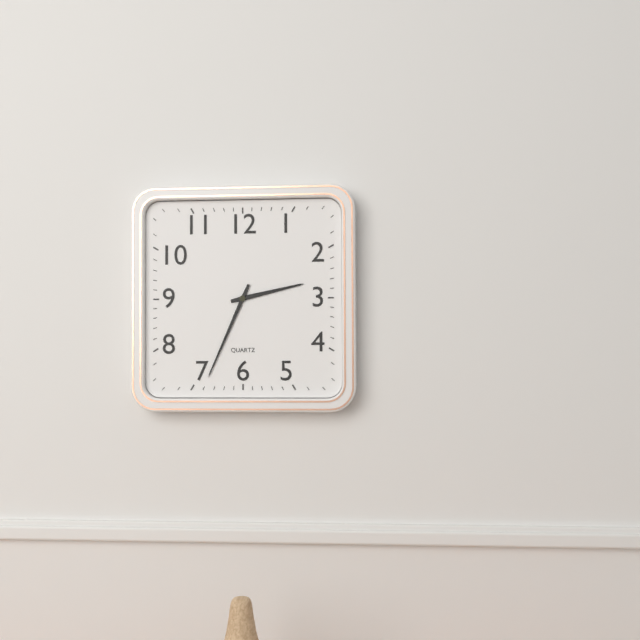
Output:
2,34
